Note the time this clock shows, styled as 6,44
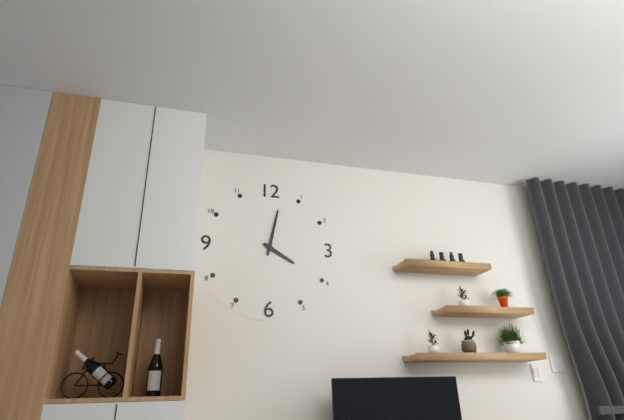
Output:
4,02
